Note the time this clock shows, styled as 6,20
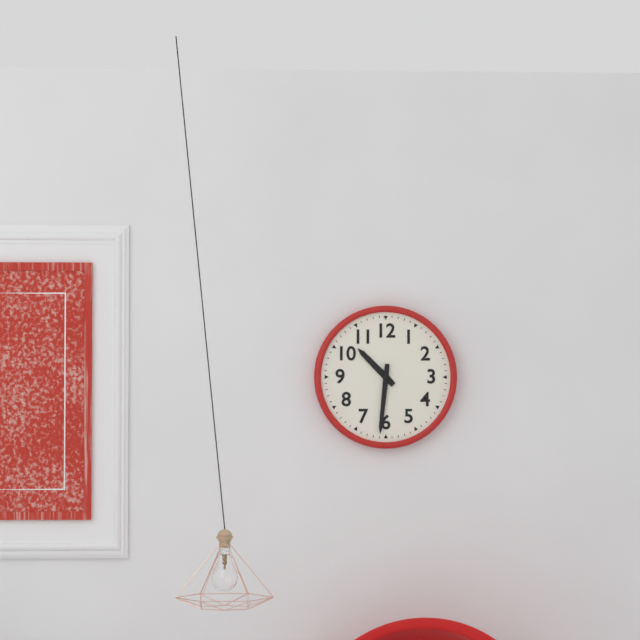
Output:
10,31
